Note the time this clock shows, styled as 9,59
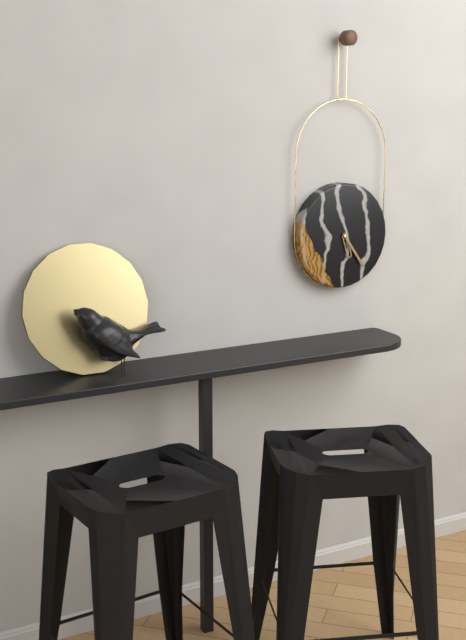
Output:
5,24
